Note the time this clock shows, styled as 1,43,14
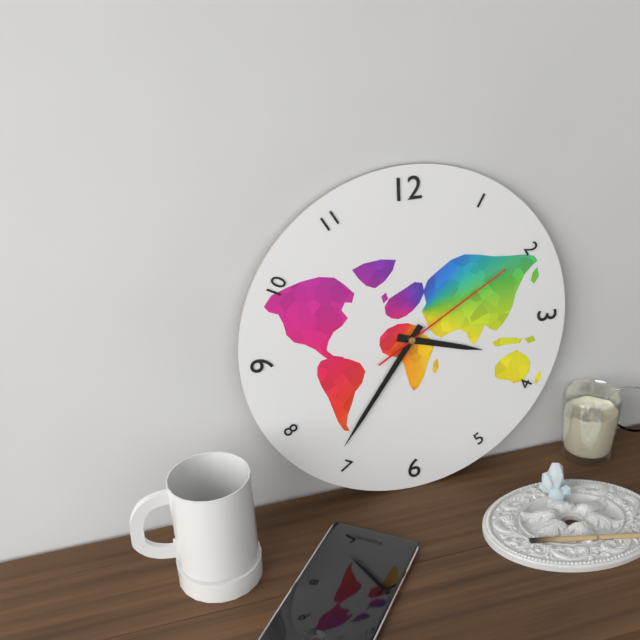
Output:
3,36,10
